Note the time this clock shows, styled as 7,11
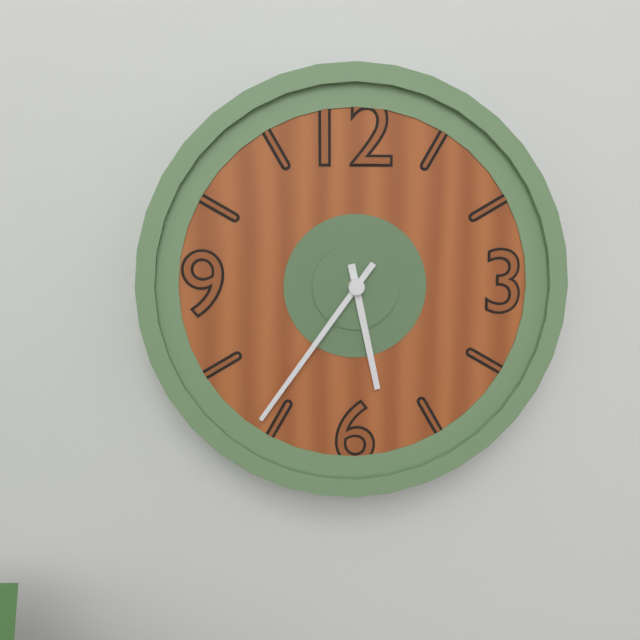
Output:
5,36
